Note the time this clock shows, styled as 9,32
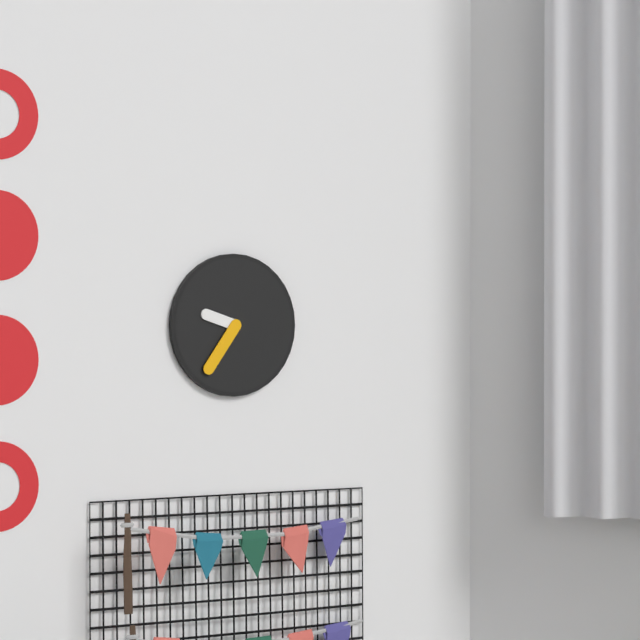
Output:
9,36
